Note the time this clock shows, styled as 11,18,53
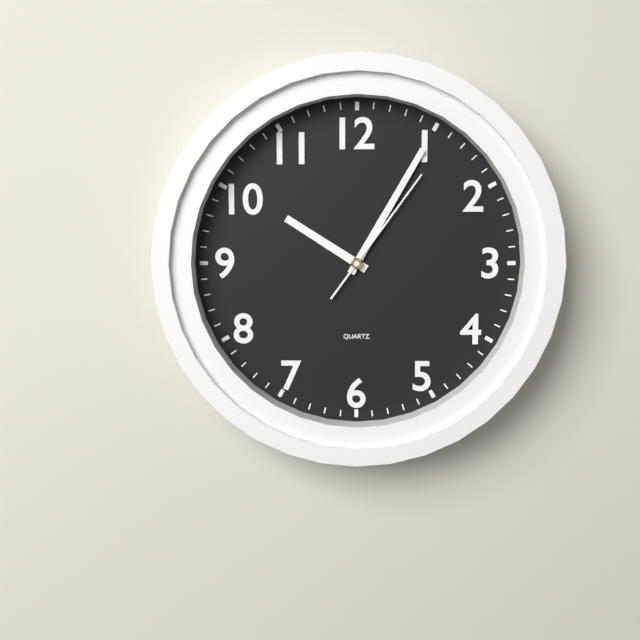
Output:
10,05,06
